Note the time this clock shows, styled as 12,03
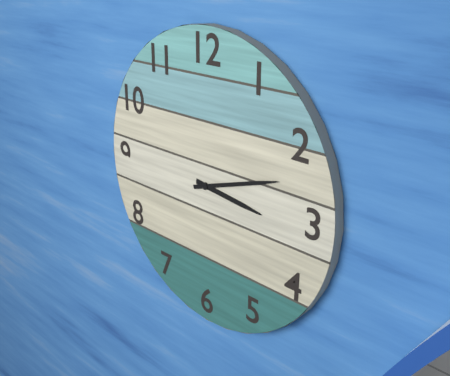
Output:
3,12
